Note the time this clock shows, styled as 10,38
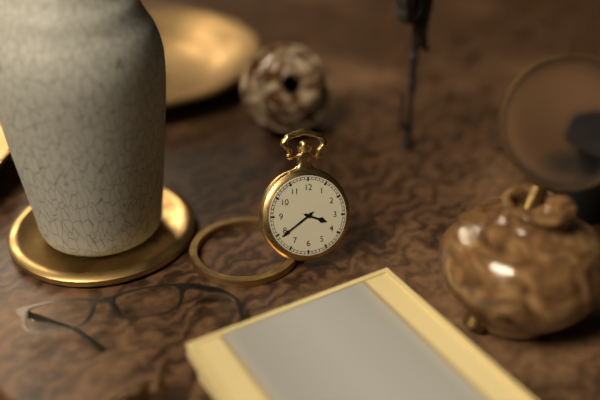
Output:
3,39
